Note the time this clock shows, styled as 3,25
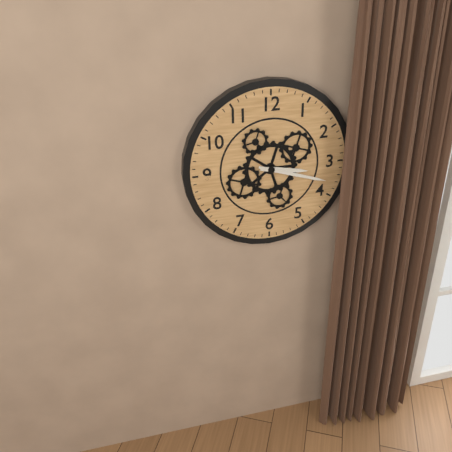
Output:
3,18
